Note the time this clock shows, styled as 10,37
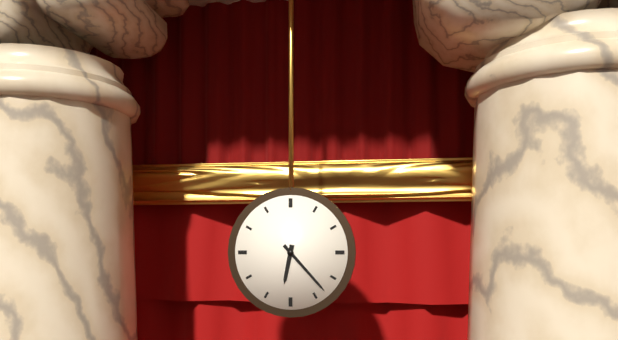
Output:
6,23
